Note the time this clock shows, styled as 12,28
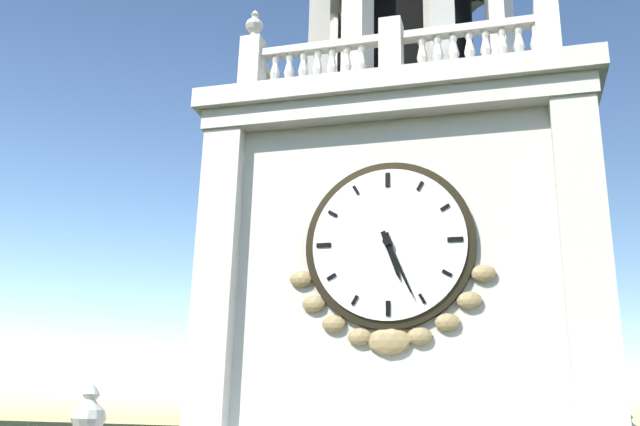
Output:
5,26
